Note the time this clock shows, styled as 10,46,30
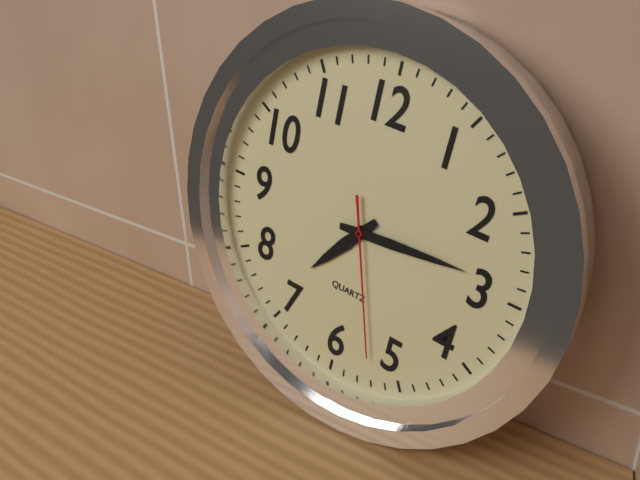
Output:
7,14,27
